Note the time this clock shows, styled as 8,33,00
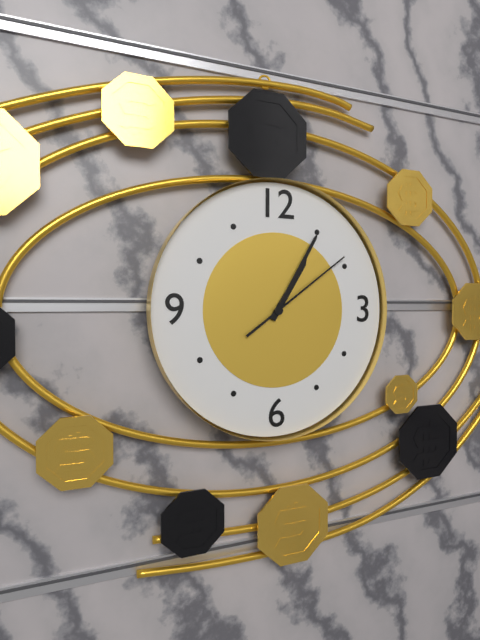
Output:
1,05,09
